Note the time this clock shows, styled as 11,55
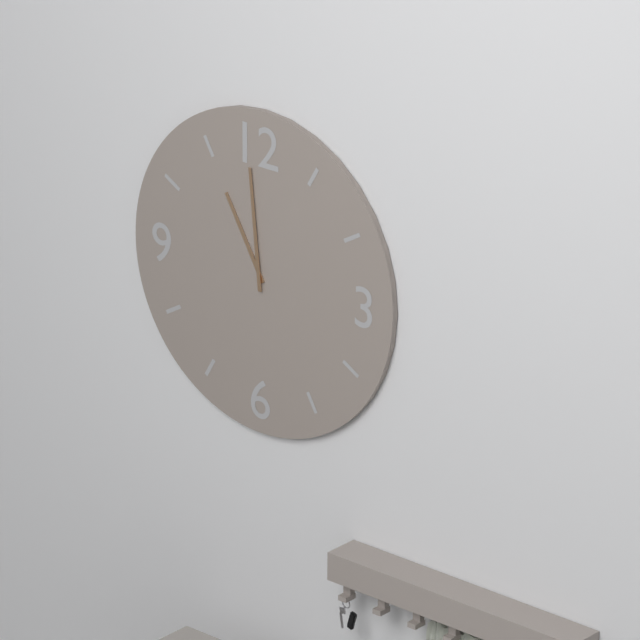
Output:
10,59
